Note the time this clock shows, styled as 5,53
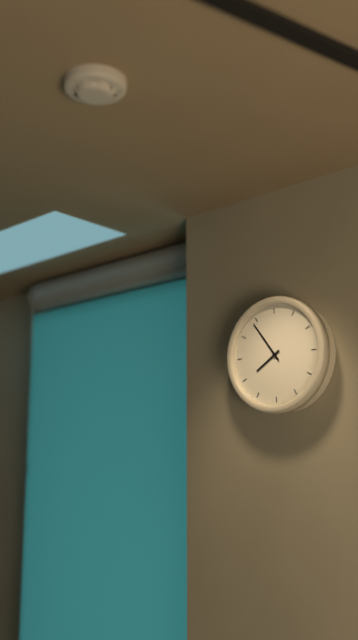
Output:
7,54
